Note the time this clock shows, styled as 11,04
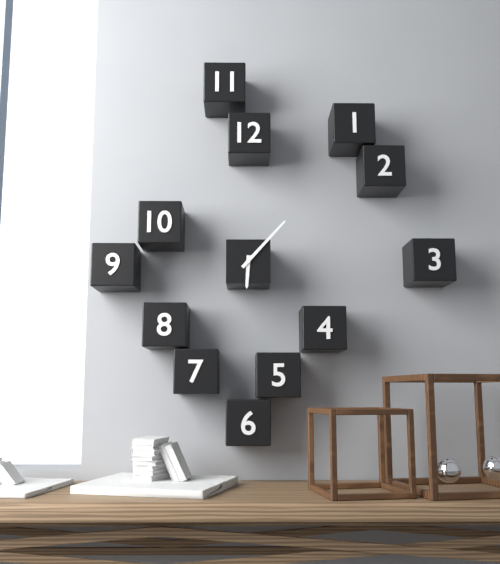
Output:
6,07
